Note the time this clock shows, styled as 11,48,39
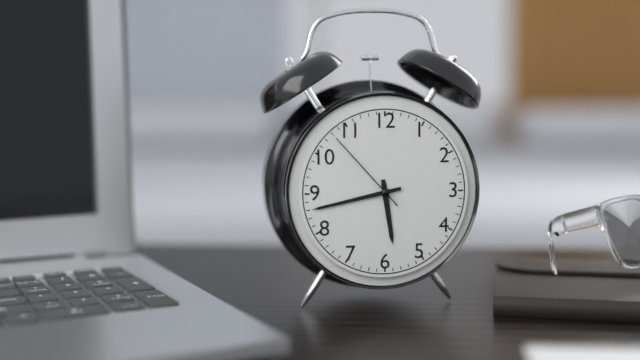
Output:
5,43,53
